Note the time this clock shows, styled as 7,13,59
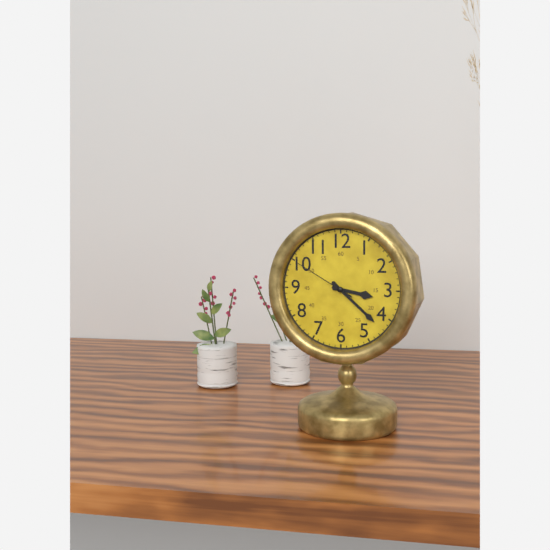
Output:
3,22,50
